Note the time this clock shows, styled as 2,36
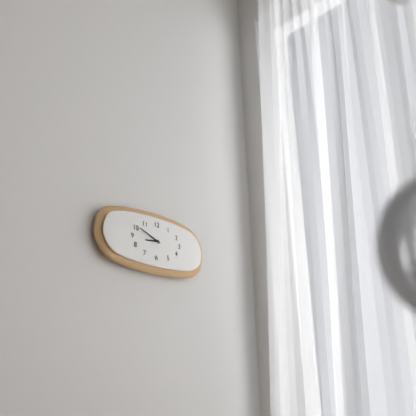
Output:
8,49
